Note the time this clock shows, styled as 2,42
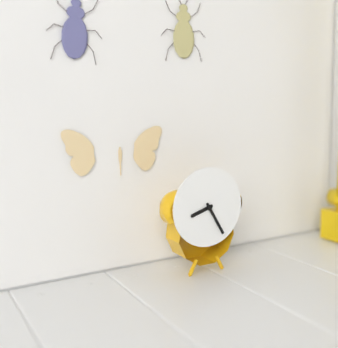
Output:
8,25
